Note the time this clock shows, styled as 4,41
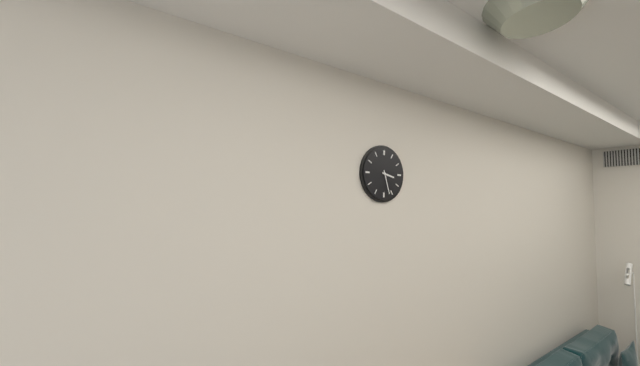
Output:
3,27
